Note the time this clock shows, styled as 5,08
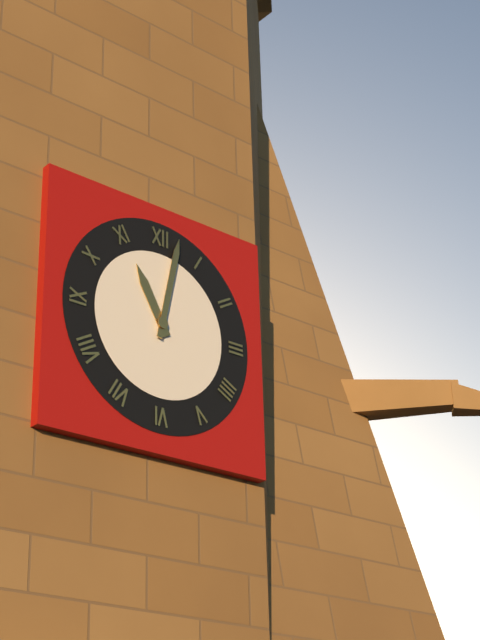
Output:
11,02
